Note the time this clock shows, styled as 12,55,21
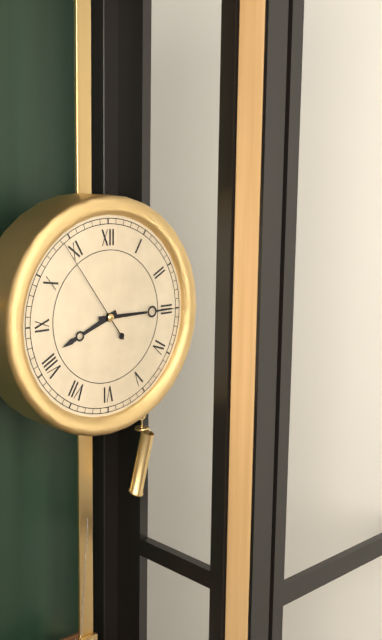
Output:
8,15,54
